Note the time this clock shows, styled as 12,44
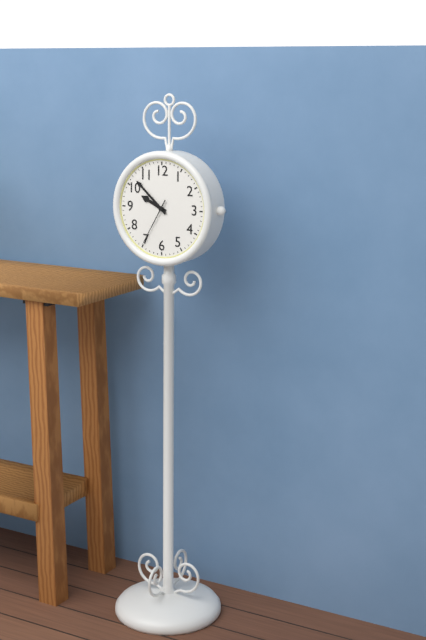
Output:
9,52
